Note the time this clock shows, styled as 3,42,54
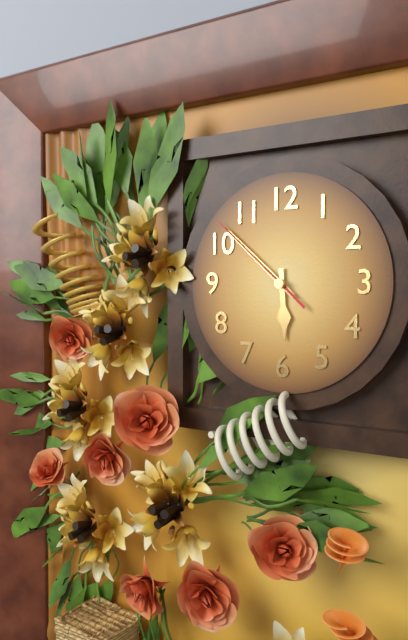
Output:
5,52,52
